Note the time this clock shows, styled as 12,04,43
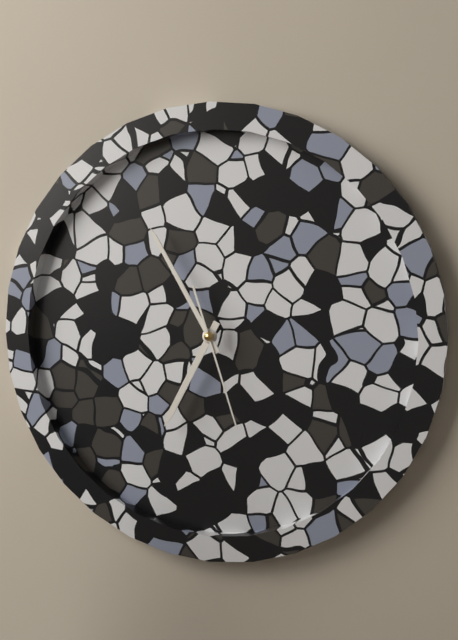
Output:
6,55,27
